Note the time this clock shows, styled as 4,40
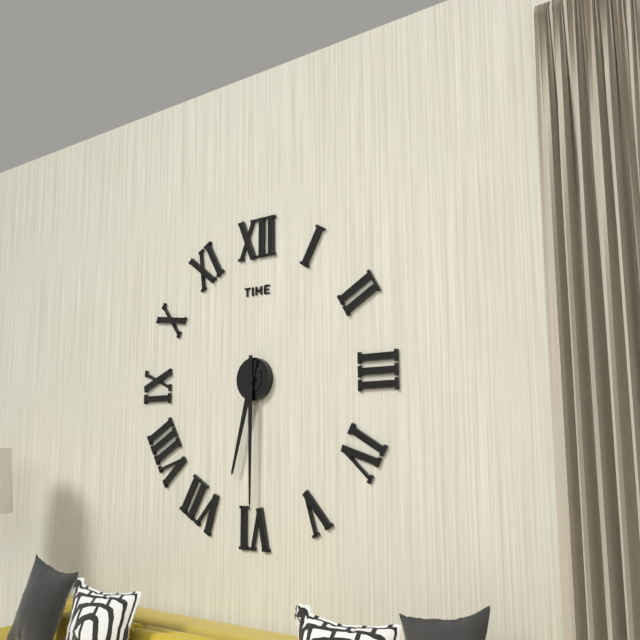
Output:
6,30
